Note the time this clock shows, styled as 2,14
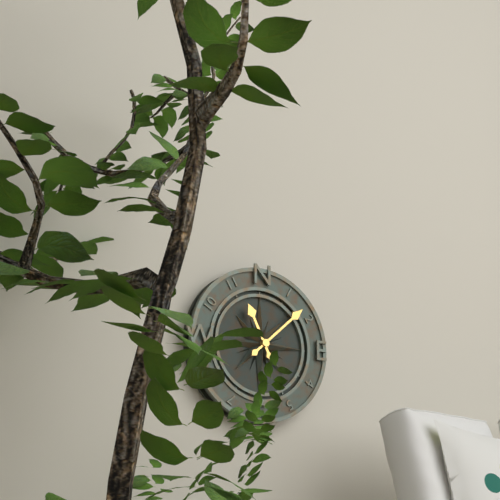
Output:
11,08
